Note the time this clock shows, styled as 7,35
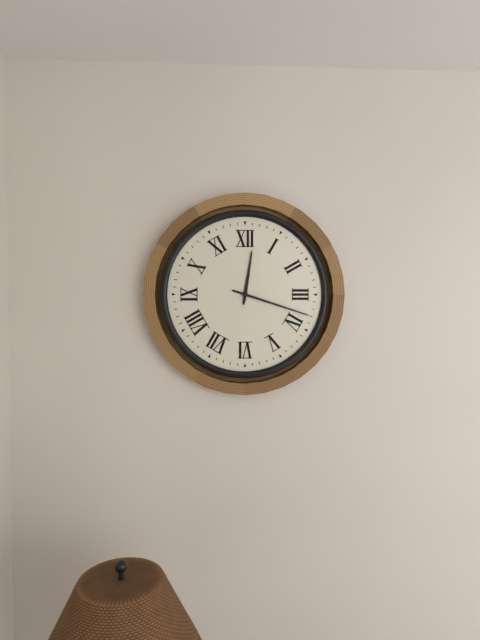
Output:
12,18
